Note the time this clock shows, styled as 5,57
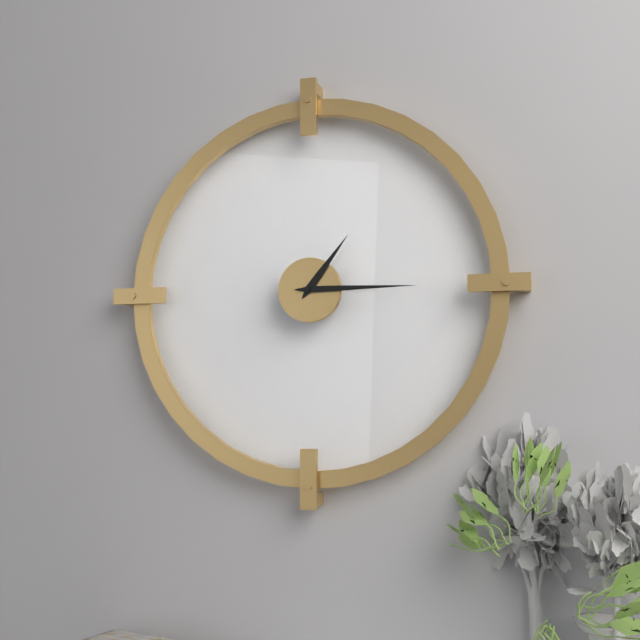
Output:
1,15
